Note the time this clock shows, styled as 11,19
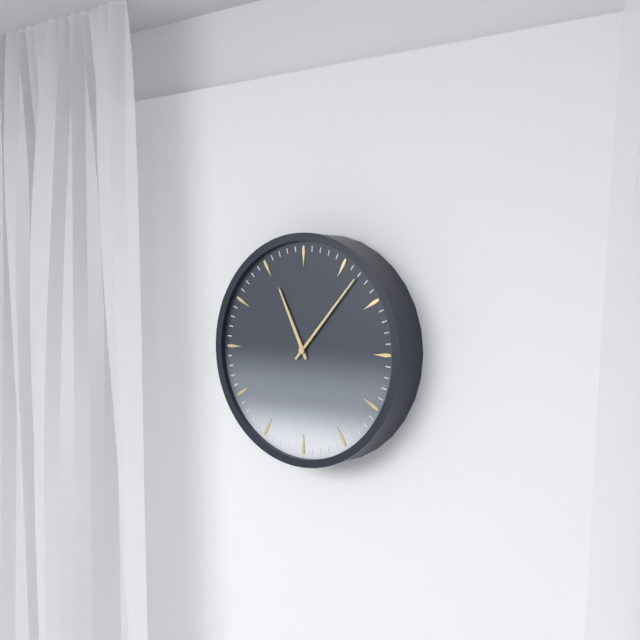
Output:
11,07
